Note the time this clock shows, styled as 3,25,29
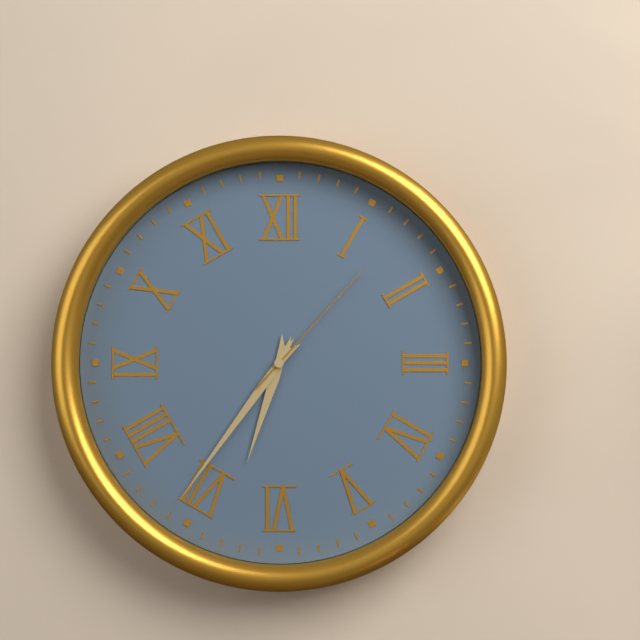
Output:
6,36,07
